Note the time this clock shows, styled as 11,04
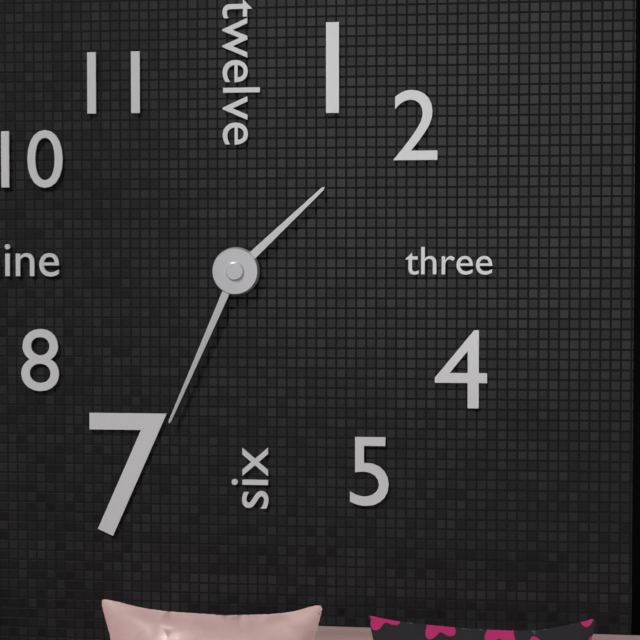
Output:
1,34
